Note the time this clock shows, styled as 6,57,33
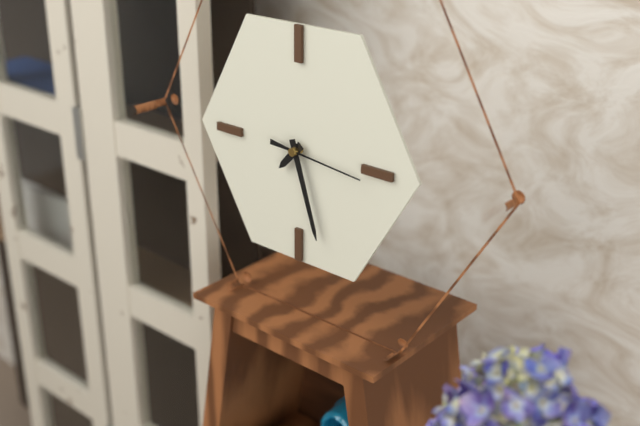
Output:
7,27,16
